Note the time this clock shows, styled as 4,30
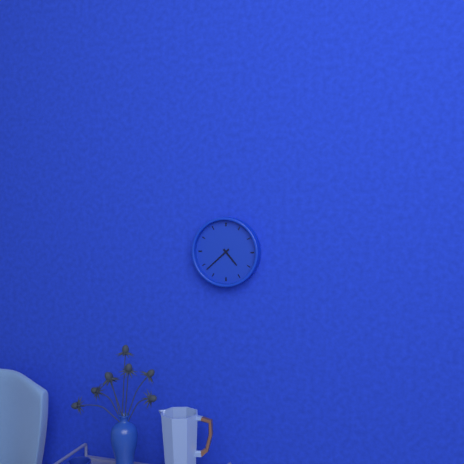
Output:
4,38
